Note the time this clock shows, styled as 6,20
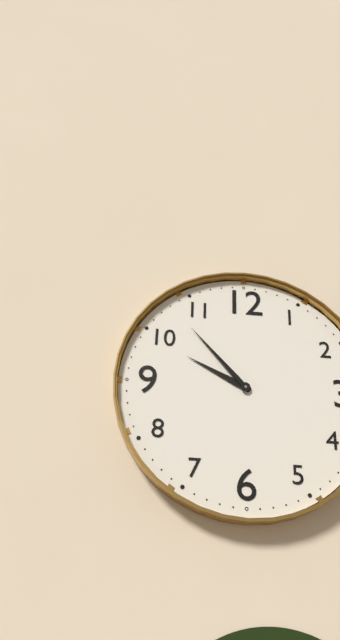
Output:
9,53
